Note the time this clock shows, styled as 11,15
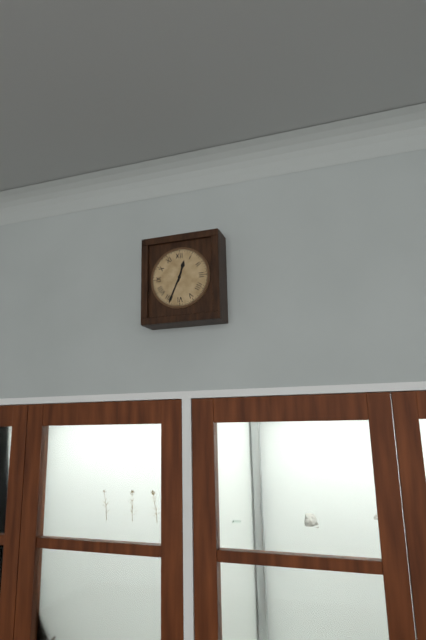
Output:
12,34
